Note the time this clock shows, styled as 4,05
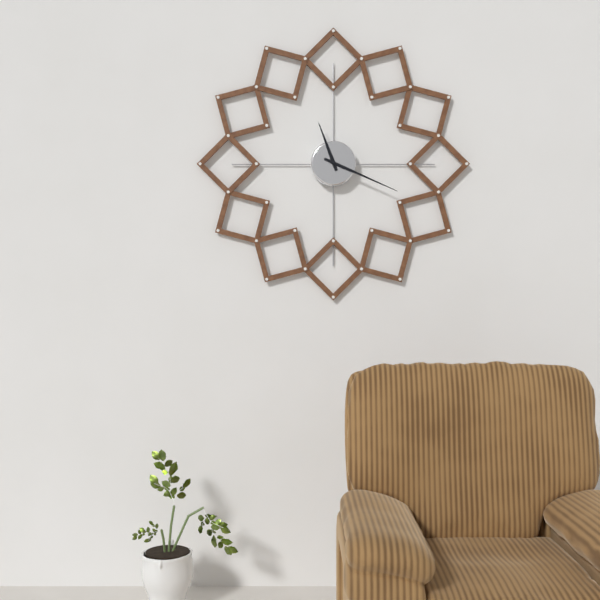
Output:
11,19
